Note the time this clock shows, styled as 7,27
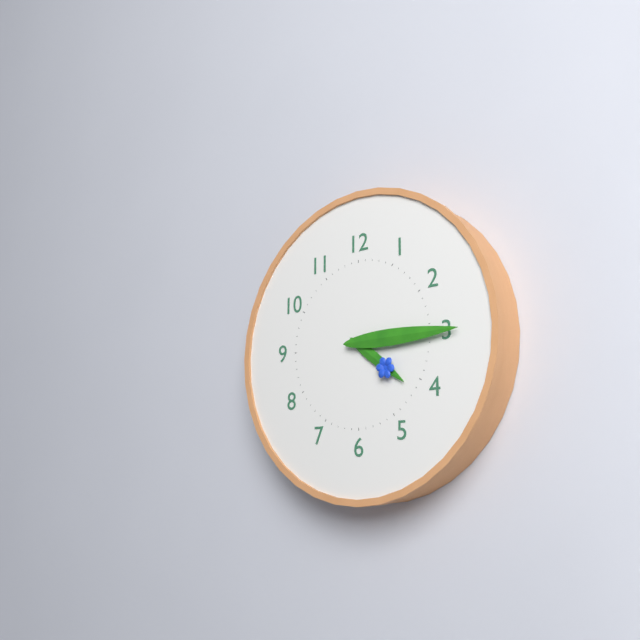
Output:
4,15
